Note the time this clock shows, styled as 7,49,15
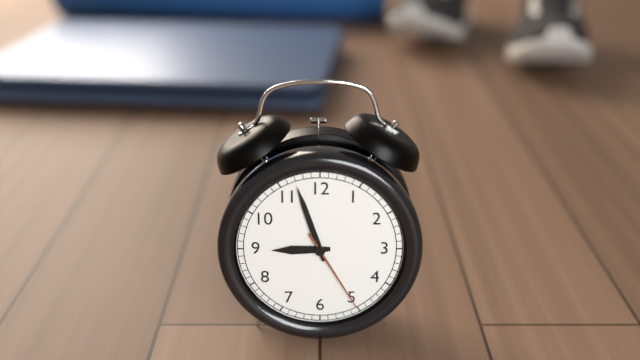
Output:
8,57,25
